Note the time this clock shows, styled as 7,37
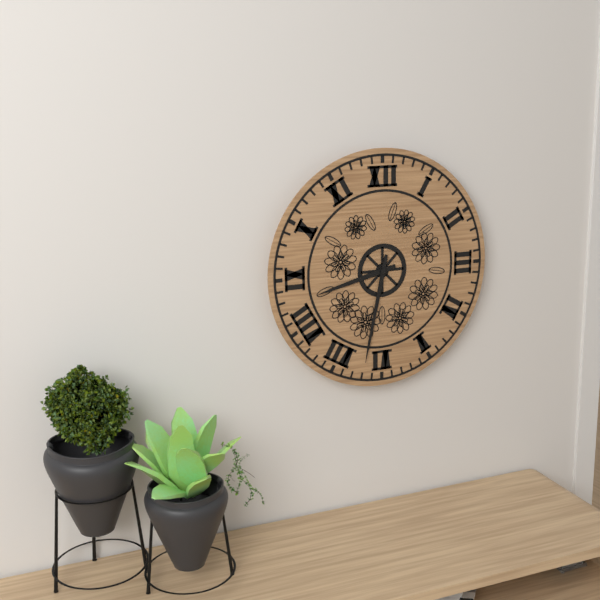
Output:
8,32
